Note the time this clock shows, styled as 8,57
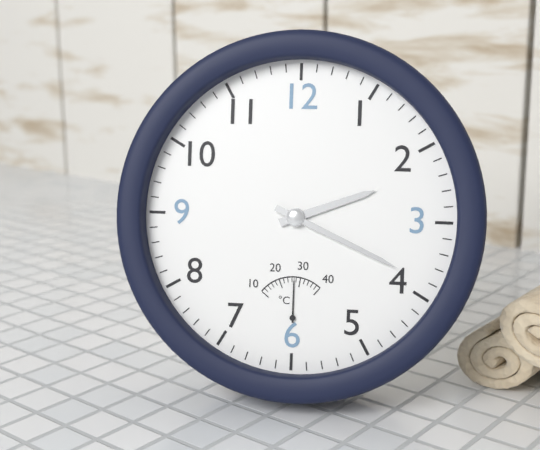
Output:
2,19
